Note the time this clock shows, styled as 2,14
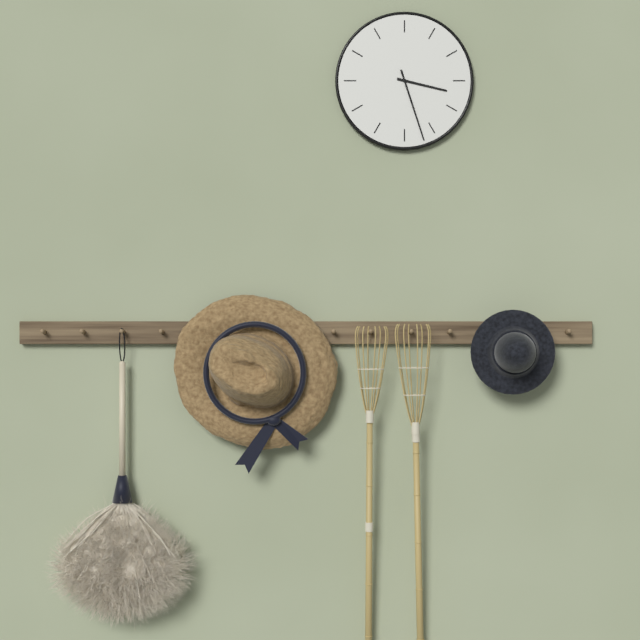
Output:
3,27
